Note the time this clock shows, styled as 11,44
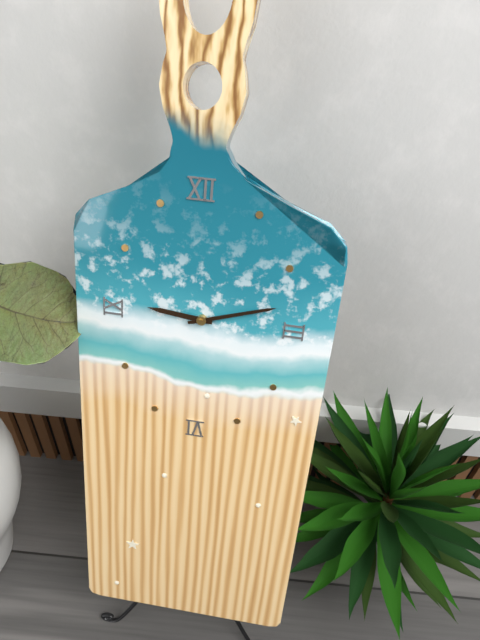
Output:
9,12
